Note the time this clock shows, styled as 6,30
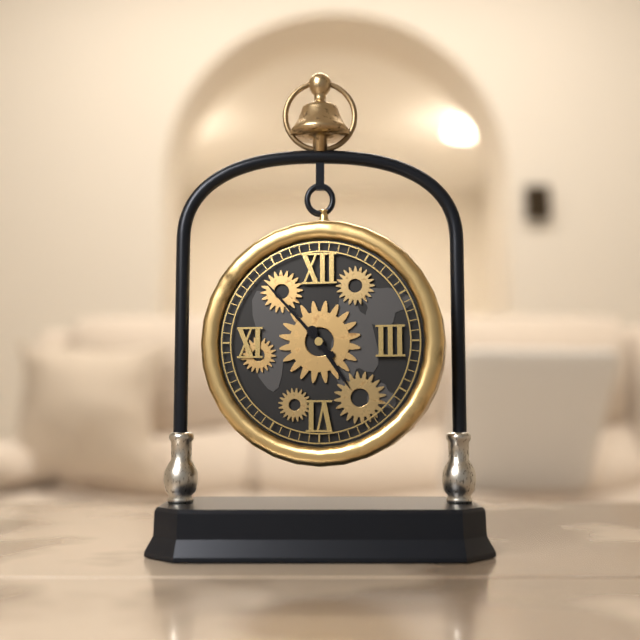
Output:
4,53
